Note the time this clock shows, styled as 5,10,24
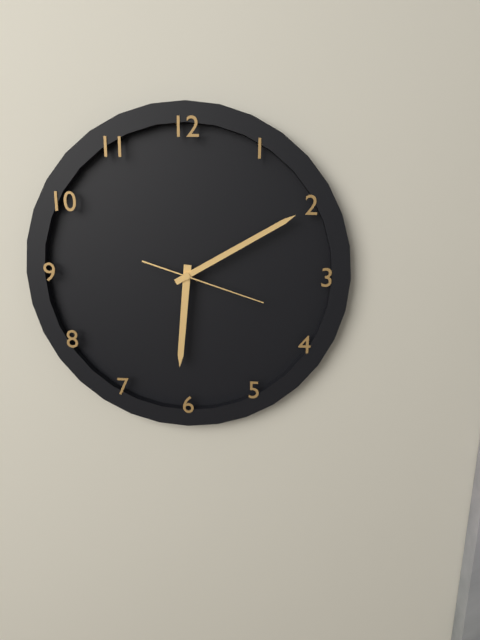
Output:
6,10,18
